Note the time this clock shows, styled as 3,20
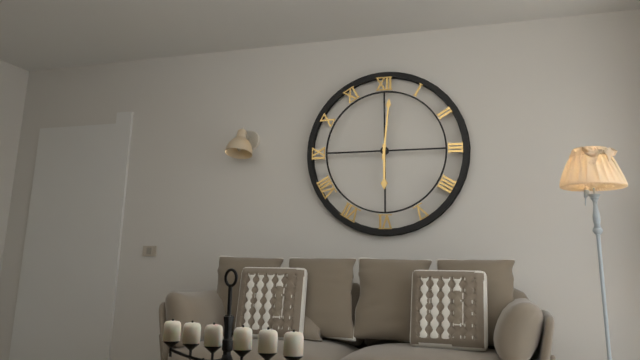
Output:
6,01
